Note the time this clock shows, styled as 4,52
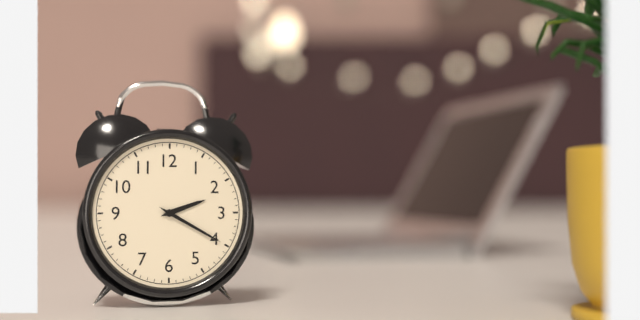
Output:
2,20
